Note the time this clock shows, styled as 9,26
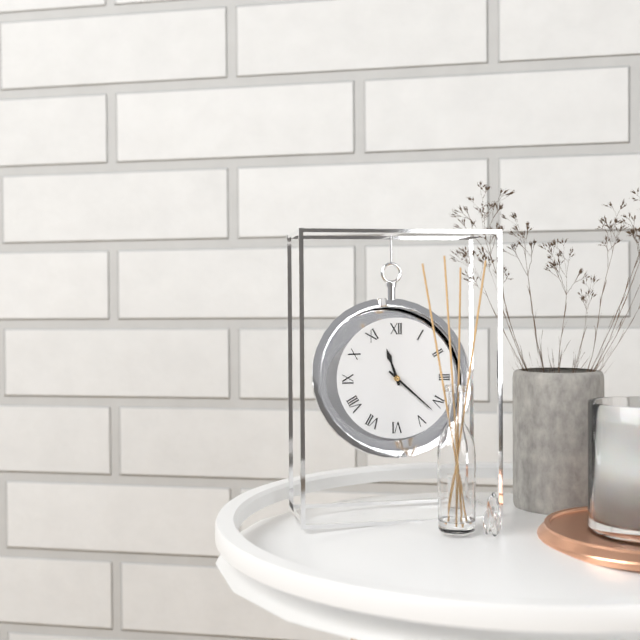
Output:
11,22
